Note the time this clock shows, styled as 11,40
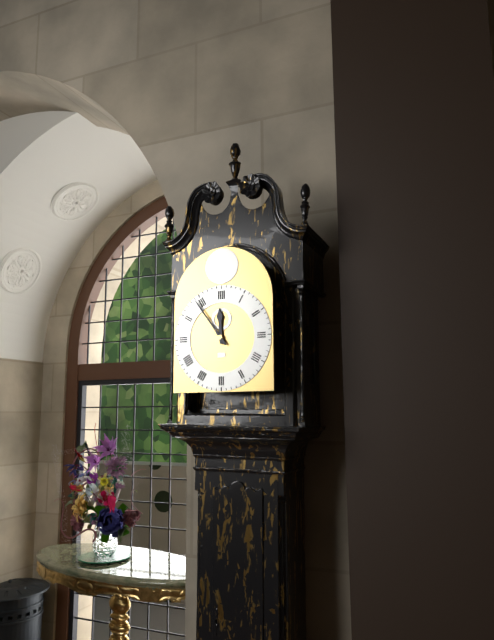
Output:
11,54
